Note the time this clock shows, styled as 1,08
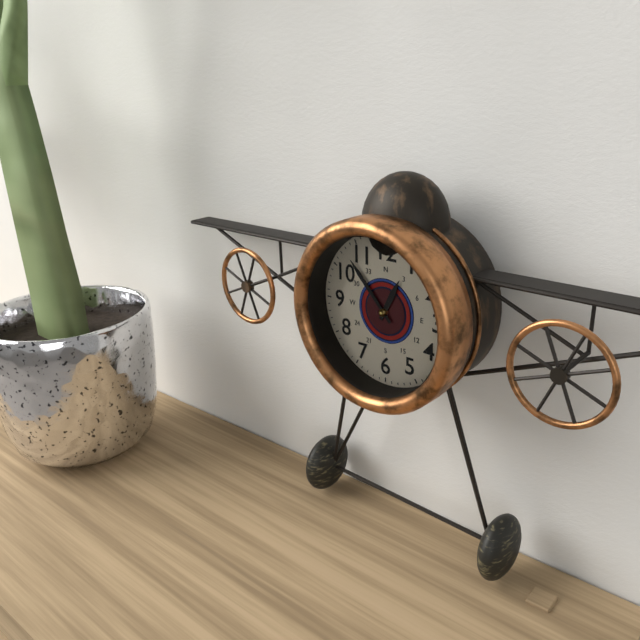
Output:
12,53
